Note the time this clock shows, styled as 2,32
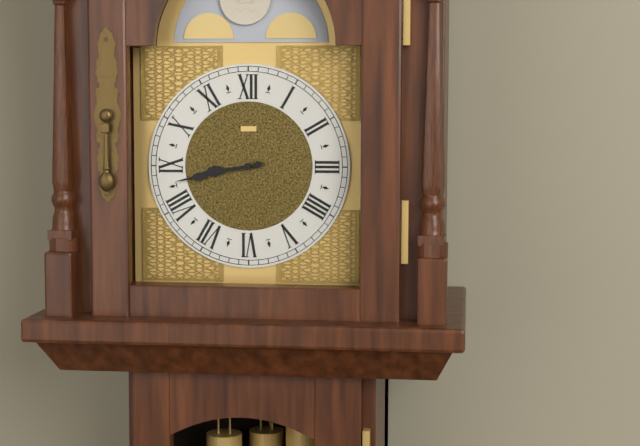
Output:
8,43
